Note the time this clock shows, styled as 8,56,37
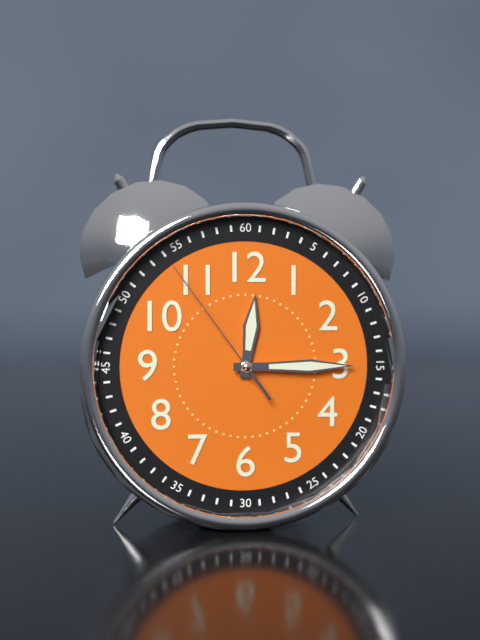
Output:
12,15,54
